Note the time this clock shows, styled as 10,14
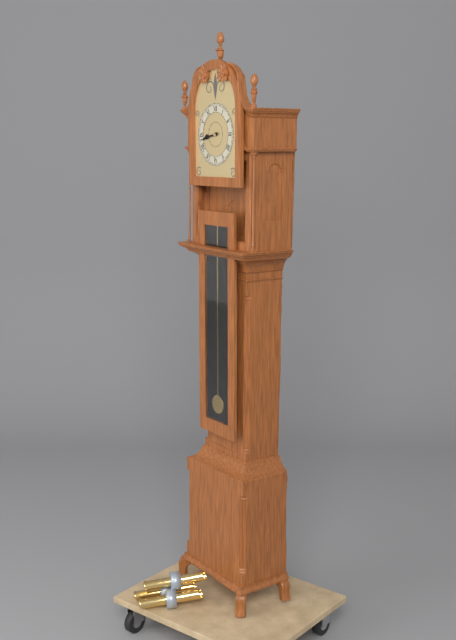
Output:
8,43
